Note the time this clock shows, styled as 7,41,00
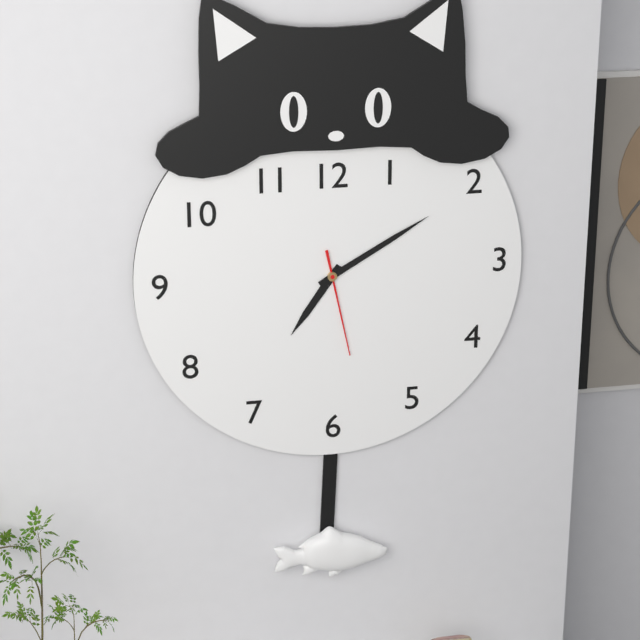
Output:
7,10,28
